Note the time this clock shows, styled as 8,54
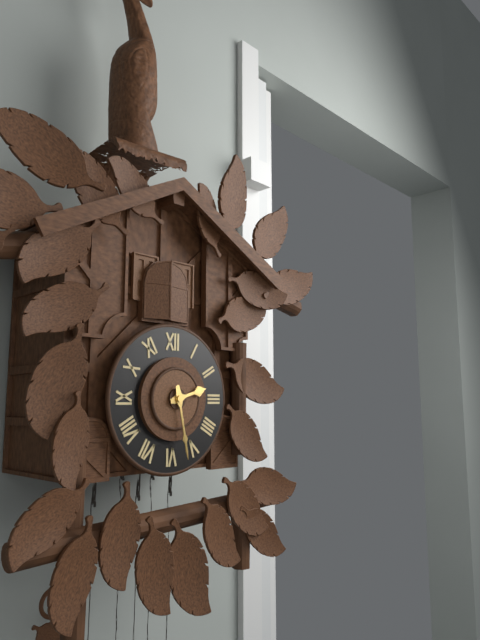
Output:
2,28
